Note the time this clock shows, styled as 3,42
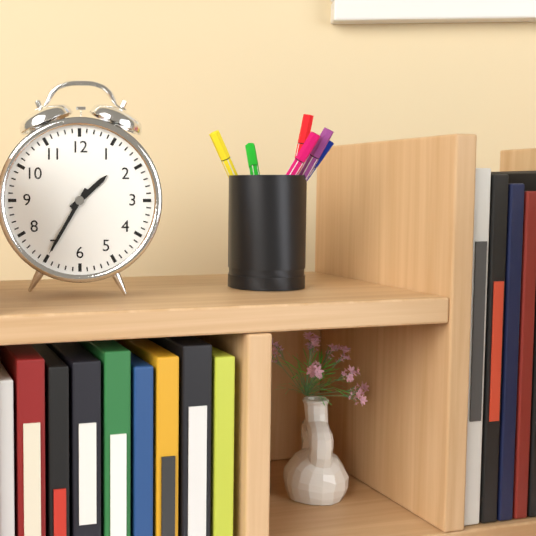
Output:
1,35
